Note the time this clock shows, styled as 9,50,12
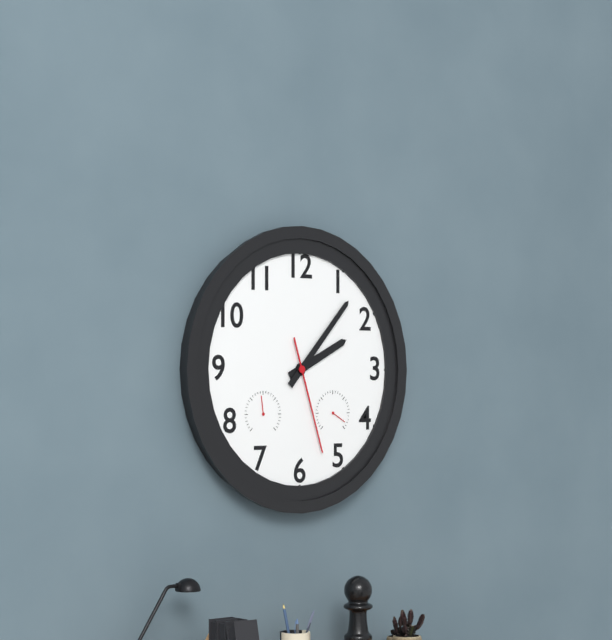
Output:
2,07,27
